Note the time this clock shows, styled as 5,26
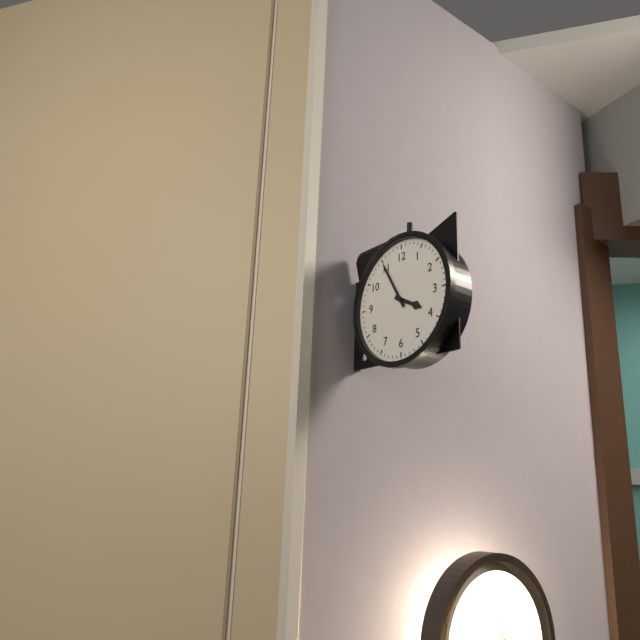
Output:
3,55
